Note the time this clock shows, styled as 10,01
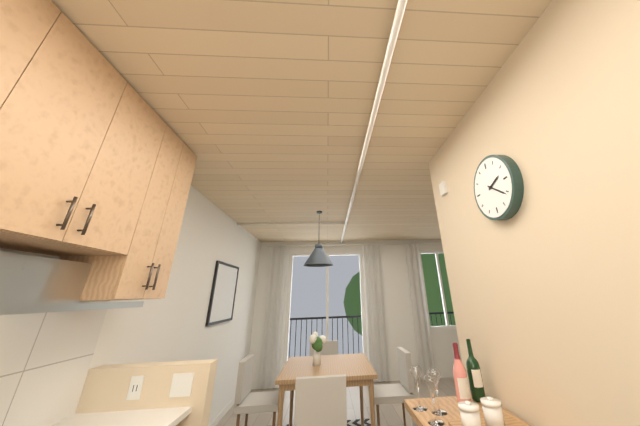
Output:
2,21
